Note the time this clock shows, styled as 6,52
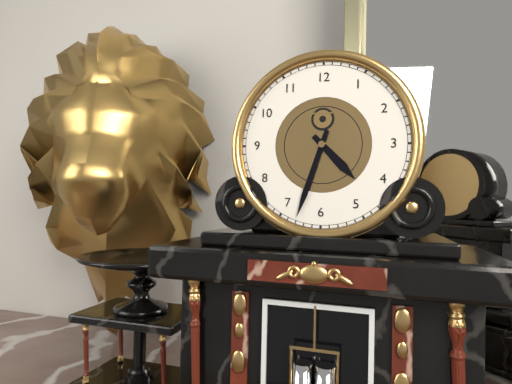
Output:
4,33
